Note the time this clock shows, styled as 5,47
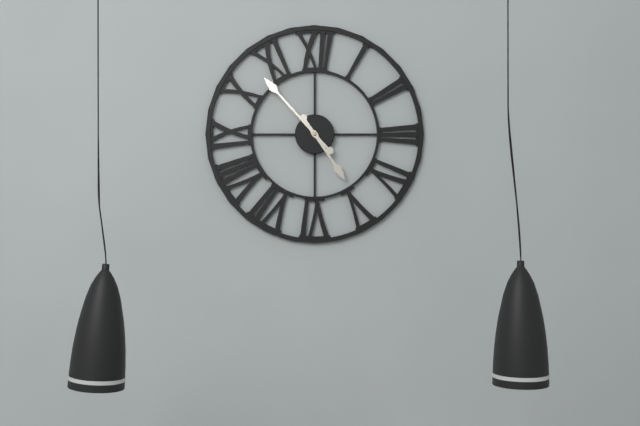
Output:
4,53
